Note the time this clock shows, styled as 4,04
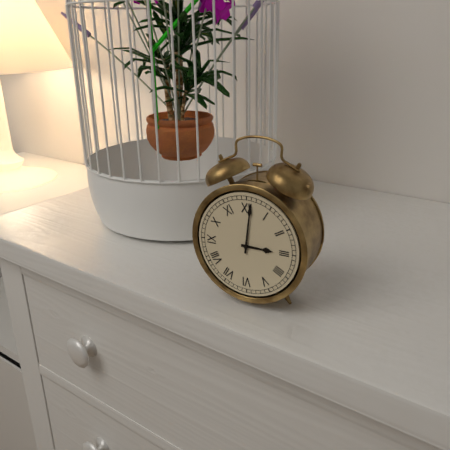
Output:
3,01
